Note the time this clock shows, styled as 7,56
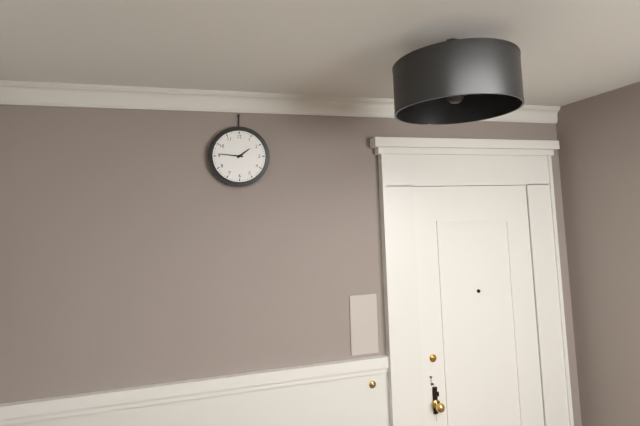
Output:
1,46
